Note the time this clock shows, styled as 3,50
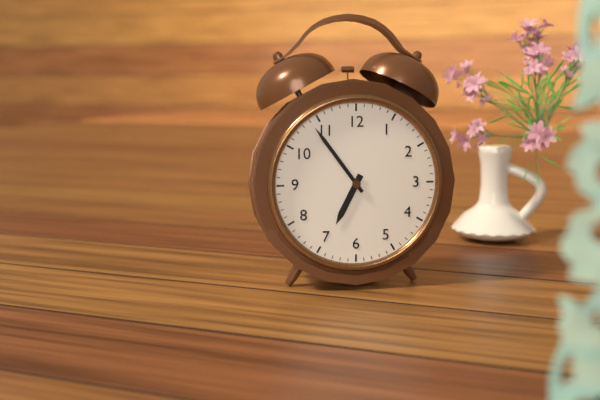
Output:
6,54
